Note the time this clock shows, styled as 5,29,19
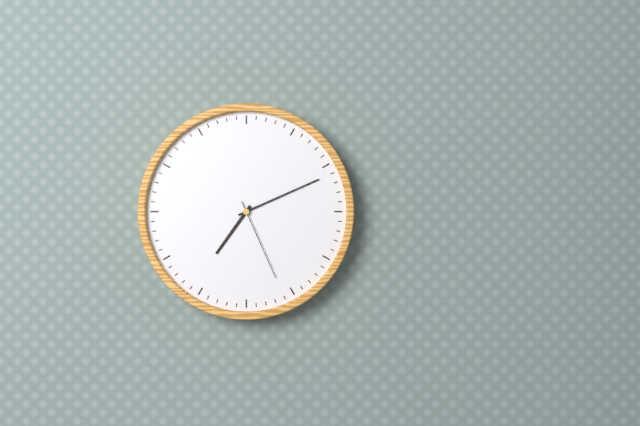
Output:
7,11,26
